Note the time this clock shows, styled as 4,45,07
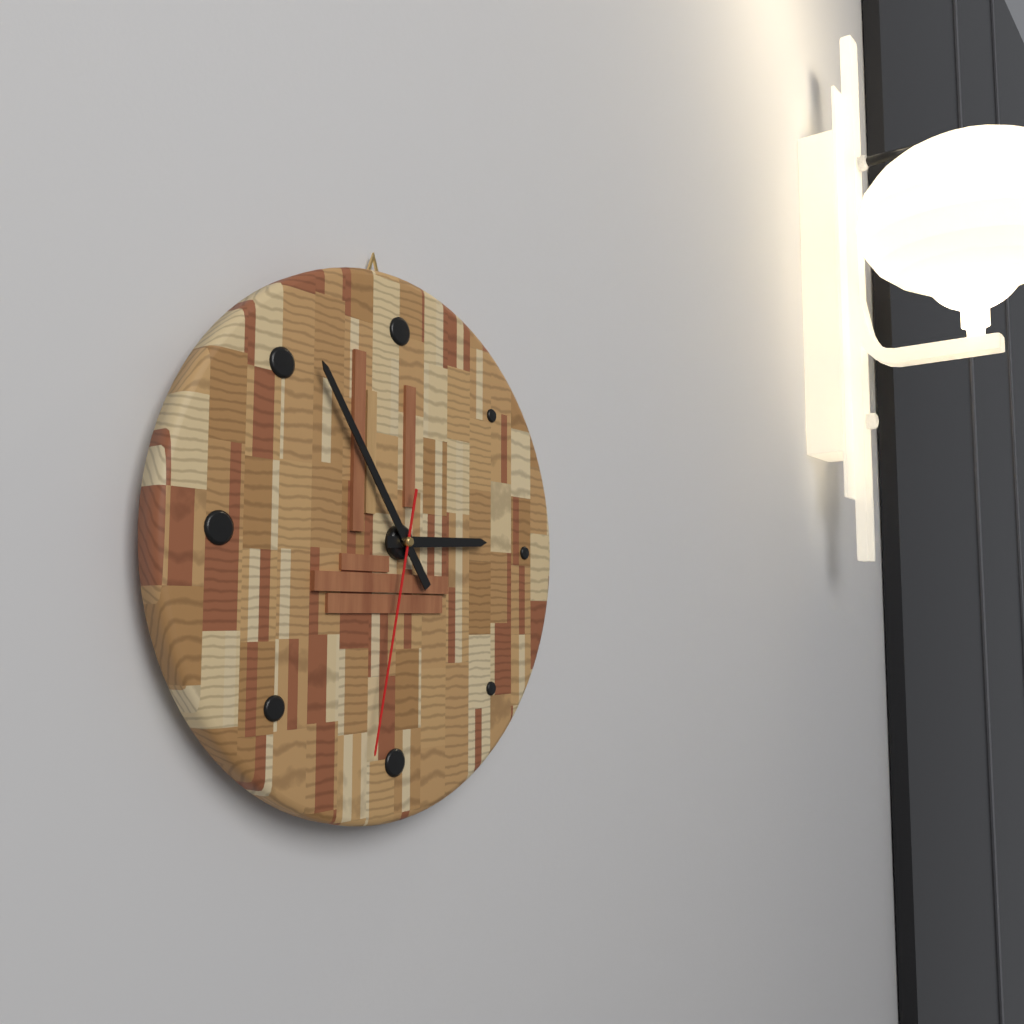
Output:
2,54,32
